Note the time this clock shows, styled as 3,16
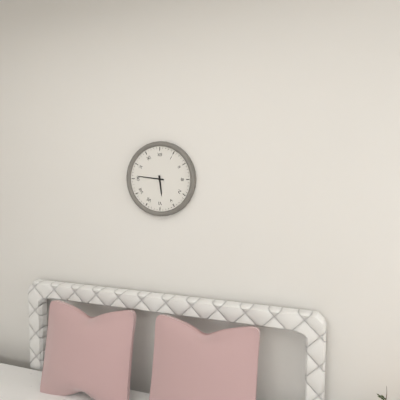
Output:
5,46
